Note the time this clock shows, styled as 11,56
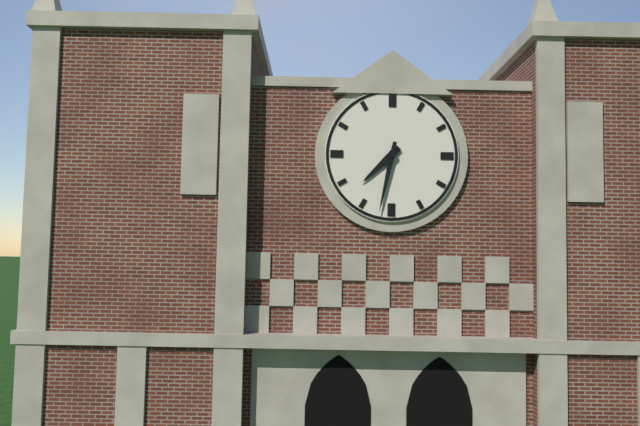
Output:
7,32
